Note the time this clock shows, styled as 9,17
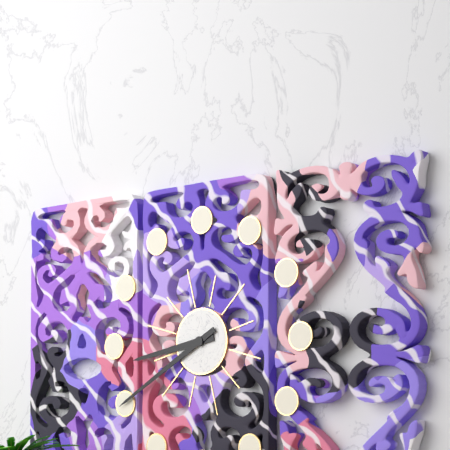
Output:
8,40
